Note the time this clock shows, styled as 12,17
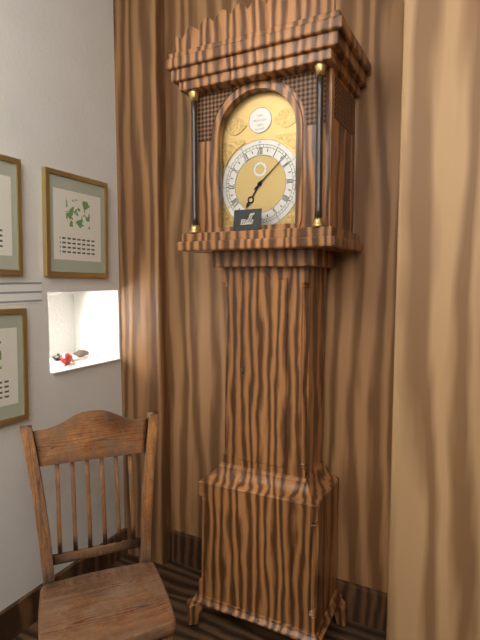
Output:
7,08
